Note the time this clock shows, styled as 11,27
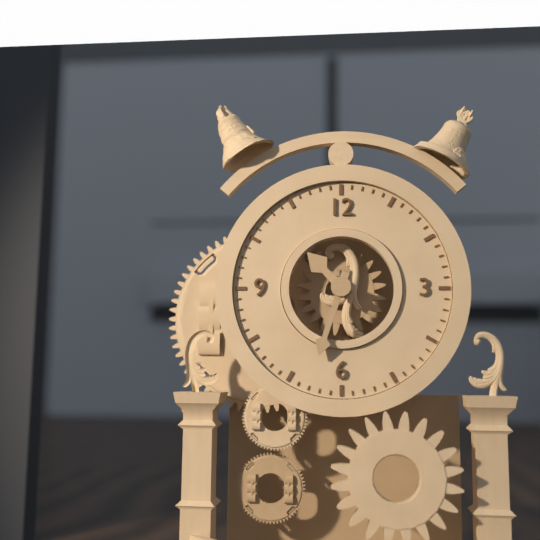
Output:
10,33
